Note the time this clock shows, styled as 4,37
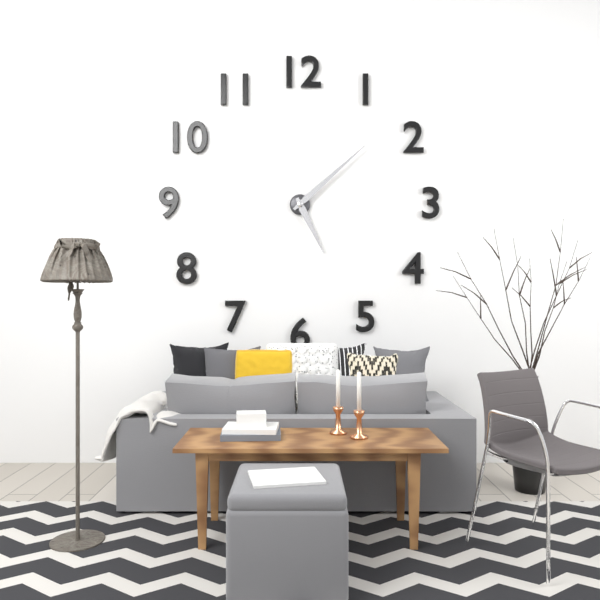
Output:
5,08
